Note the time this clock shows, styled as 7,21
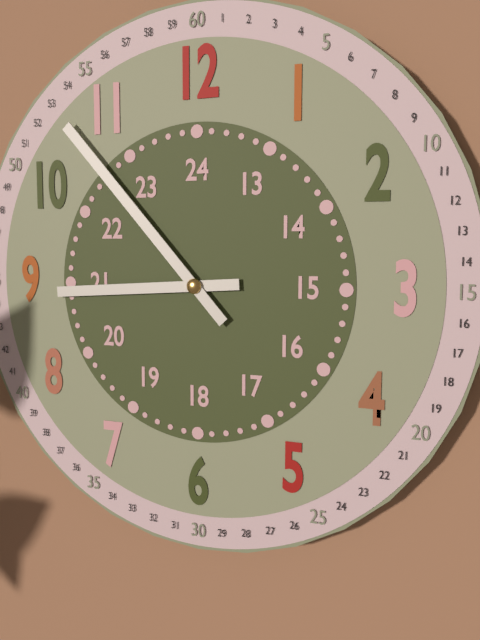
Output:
8,53
